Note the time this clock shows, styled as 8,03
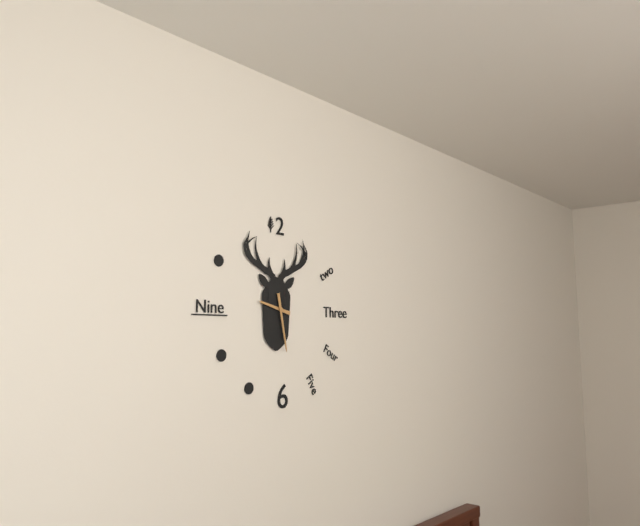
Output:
9,28
